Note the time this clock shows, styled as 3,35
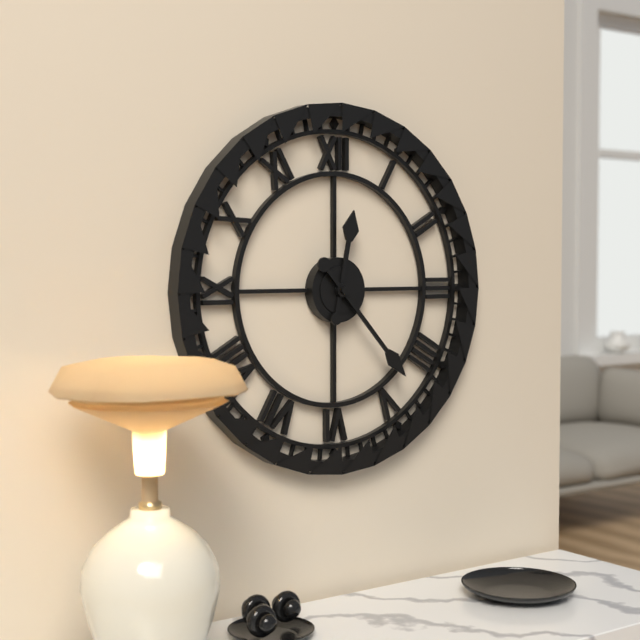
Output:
12,23
